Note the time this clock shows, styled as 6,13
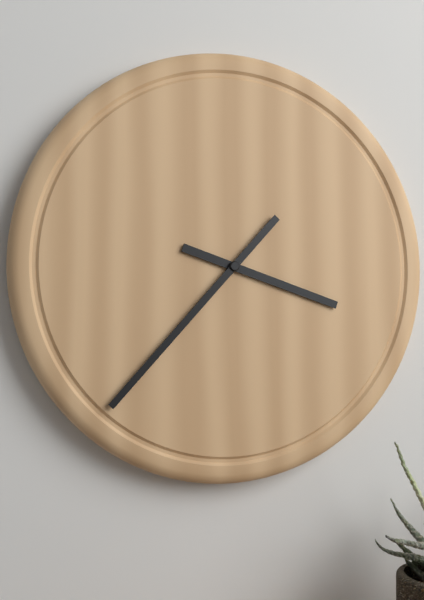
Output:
3,37
